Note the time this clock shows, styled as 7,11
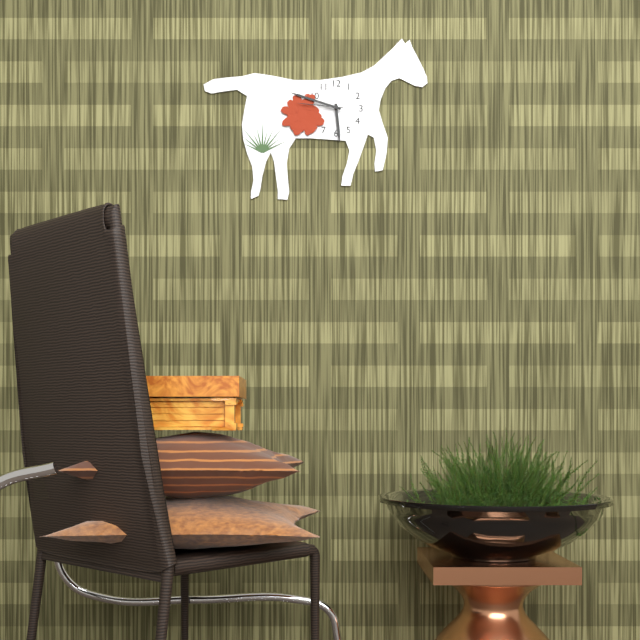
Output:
5,48
